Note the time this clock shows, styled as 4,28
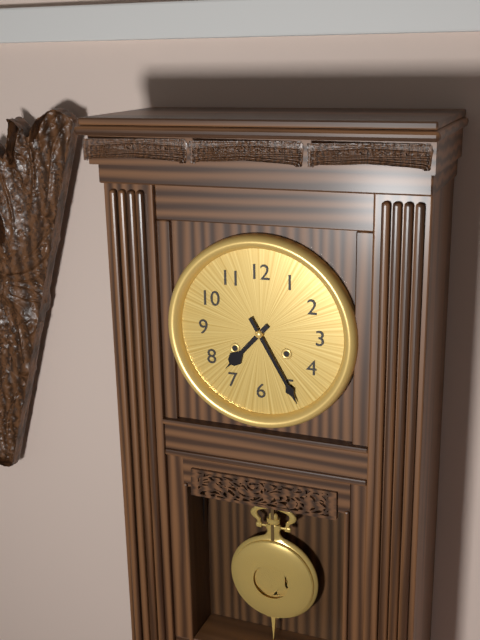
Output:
7,25
